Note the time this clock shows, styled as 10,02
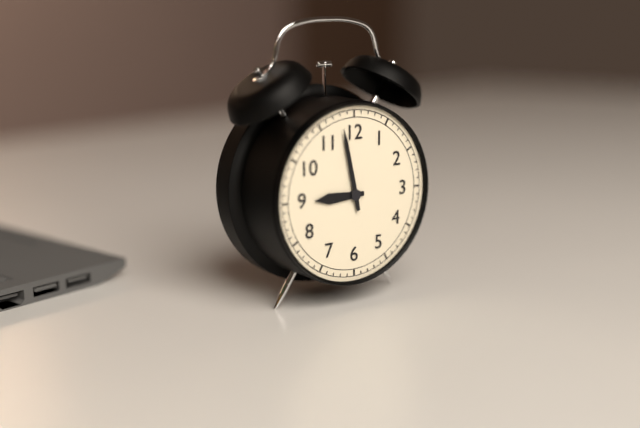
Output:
8,58
